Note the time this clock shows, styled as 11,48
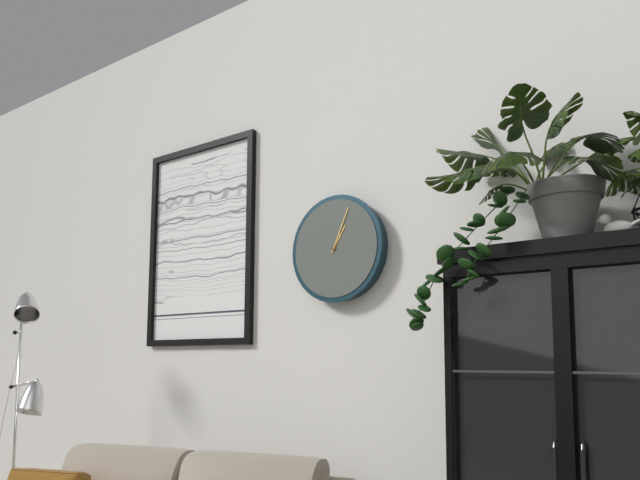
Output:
1,04
